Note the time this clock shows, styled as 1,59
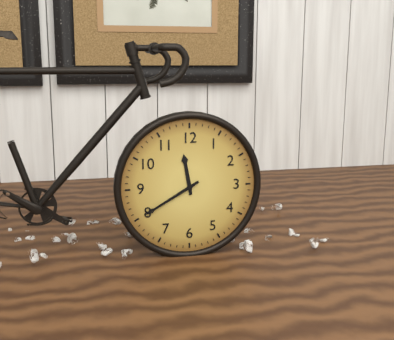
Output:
11,40
